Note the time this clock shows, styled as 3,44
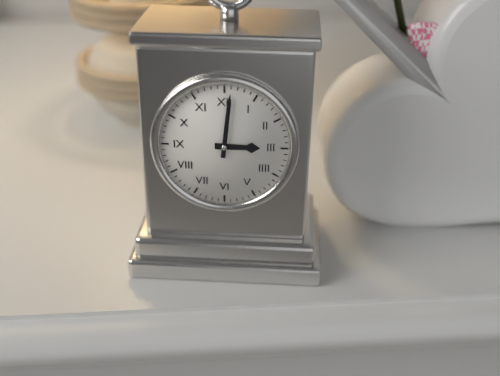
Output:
3,01
